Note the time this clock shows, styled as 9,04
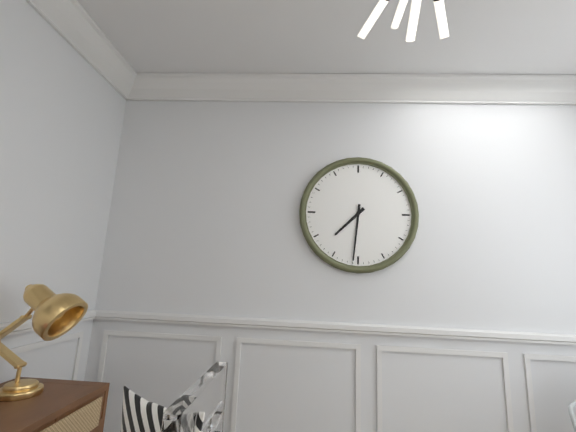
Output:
7,31
